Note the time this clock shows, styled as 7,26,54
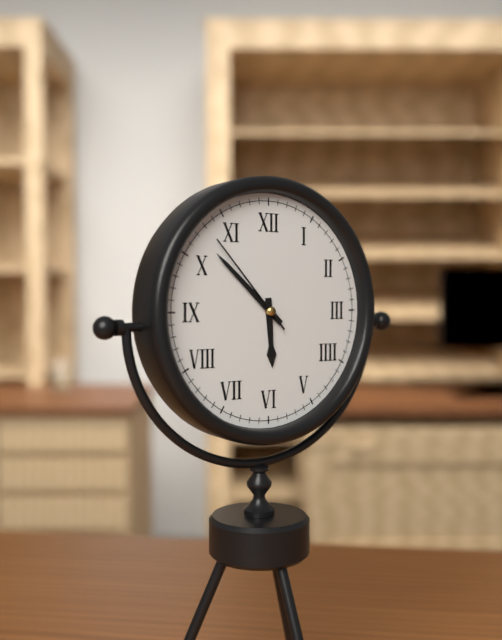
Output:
5,52,53
